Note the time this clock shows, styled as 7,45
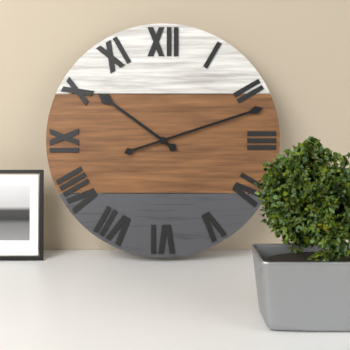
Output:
10,12
